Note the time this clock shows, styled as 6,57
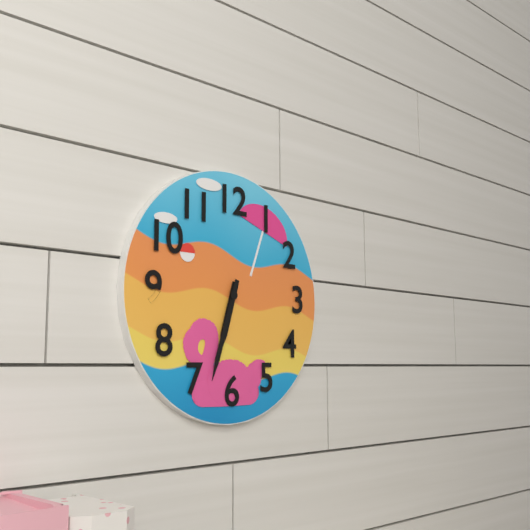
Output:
6,33
